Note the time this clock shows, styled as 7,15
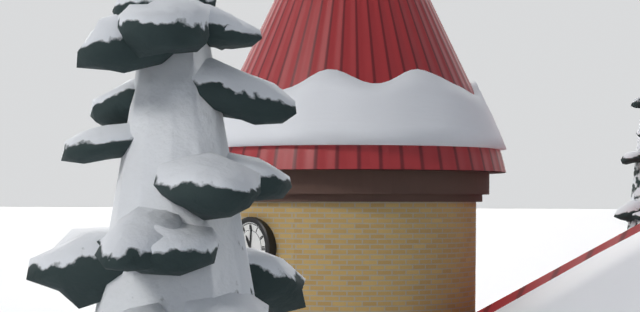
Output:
11,01
